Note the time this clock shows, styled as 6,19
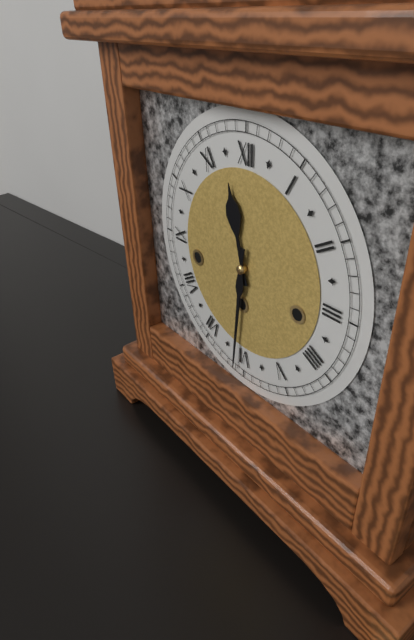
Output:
11,31
